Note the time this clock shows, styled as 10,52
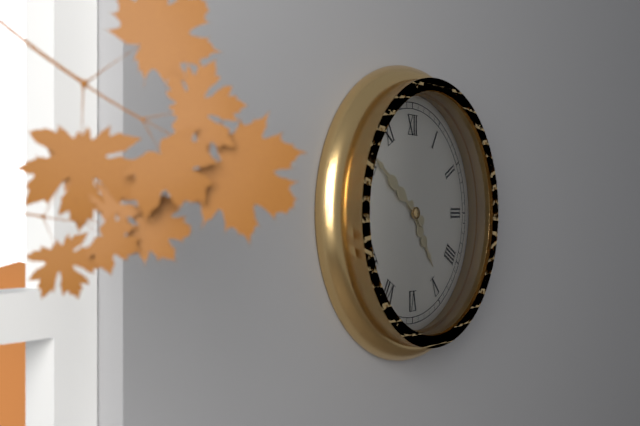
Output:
4,51
